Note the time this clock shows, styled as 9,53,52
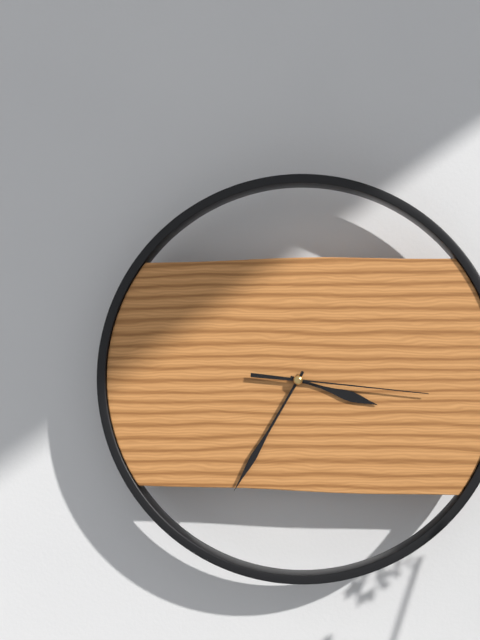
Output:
3,35,16
